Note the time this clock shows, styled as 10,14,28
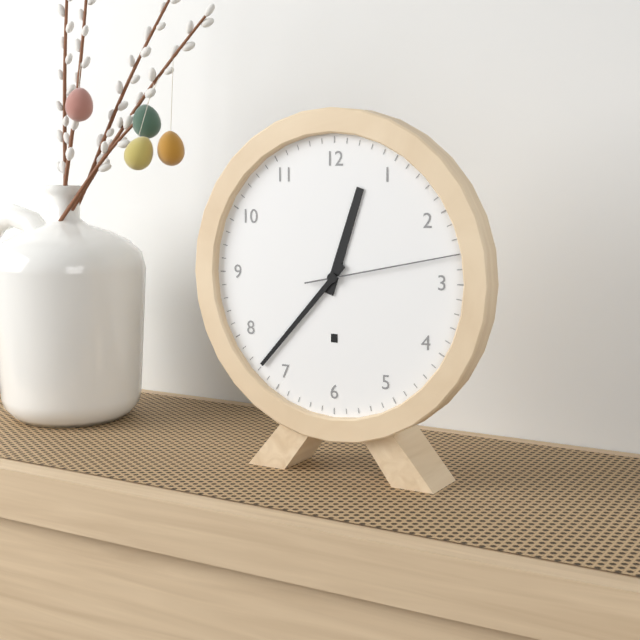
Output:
12,37,13
